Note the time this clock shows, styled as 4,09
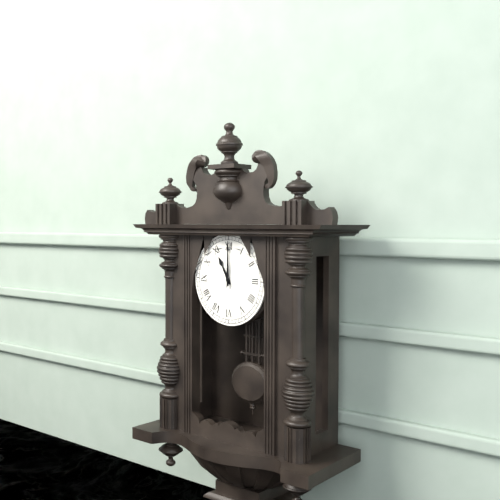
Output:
11,00
